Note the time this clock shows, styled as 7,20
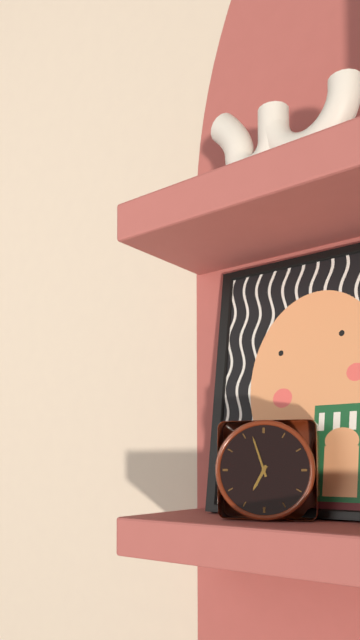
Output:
6,57
